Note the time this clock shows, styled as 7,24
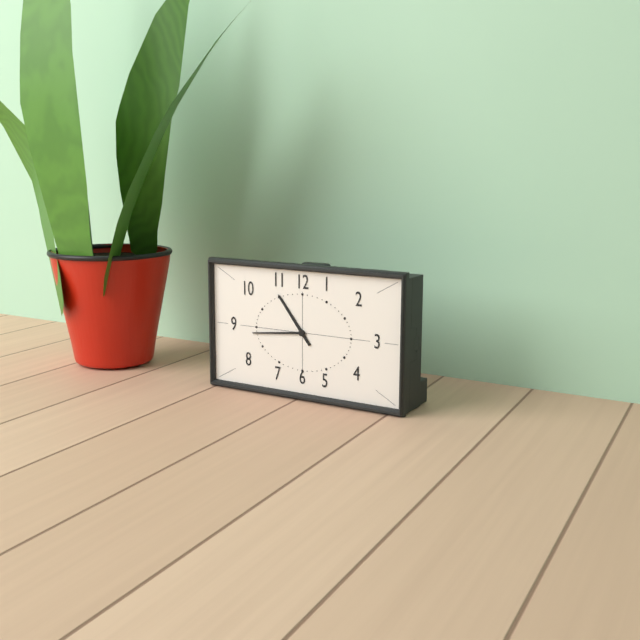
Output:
10,44
